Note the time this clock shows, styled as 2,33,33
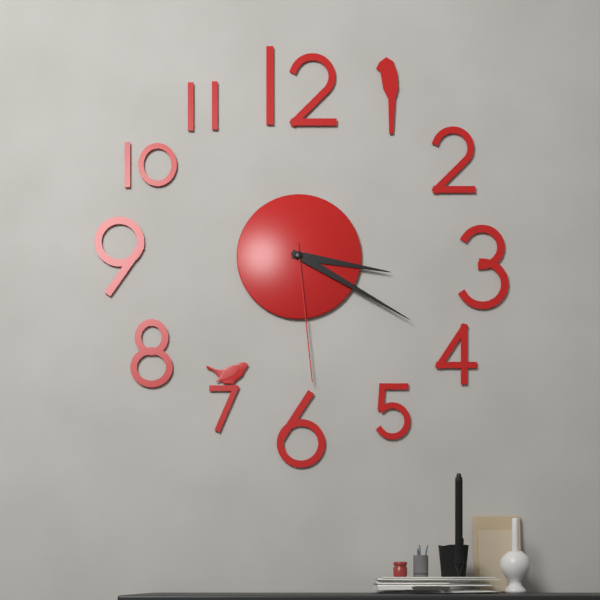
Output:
3,20,29
